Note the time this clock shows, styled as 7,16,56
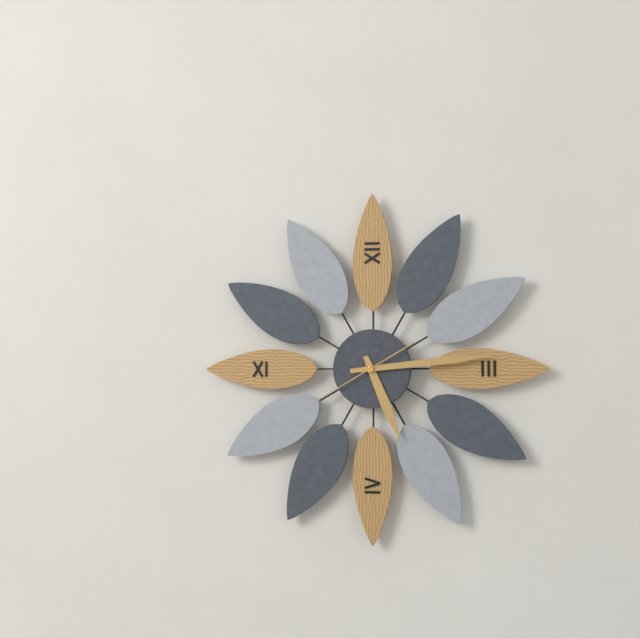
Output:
5,14,40
